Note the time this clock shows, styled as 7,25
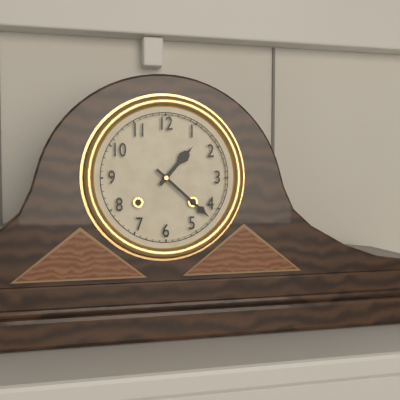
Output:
1,22
